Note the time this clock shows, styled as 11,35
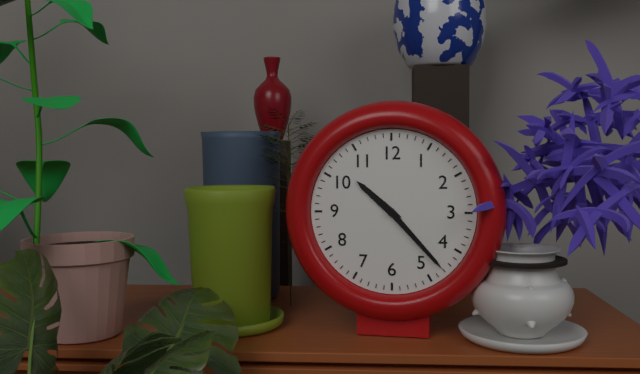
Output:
10,23
